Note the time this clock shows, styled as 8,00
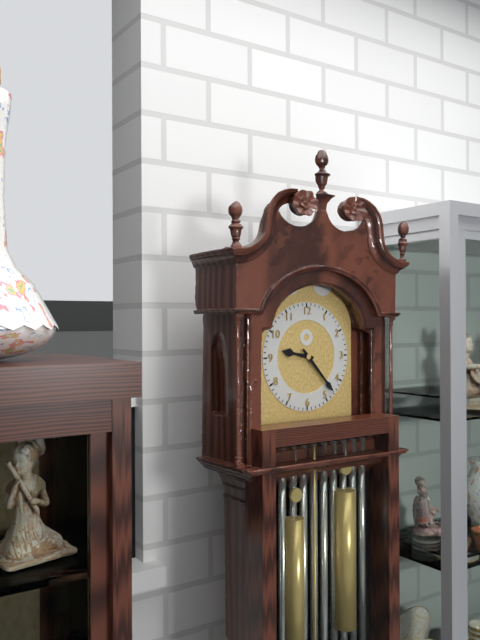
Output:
9,23
